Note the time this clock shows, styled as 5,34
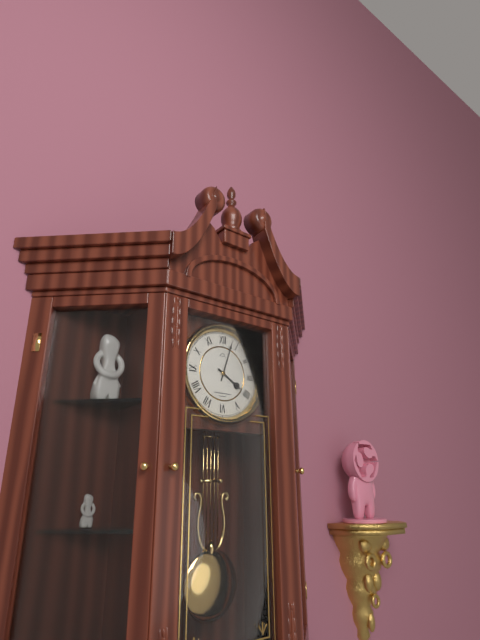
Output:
4,03
